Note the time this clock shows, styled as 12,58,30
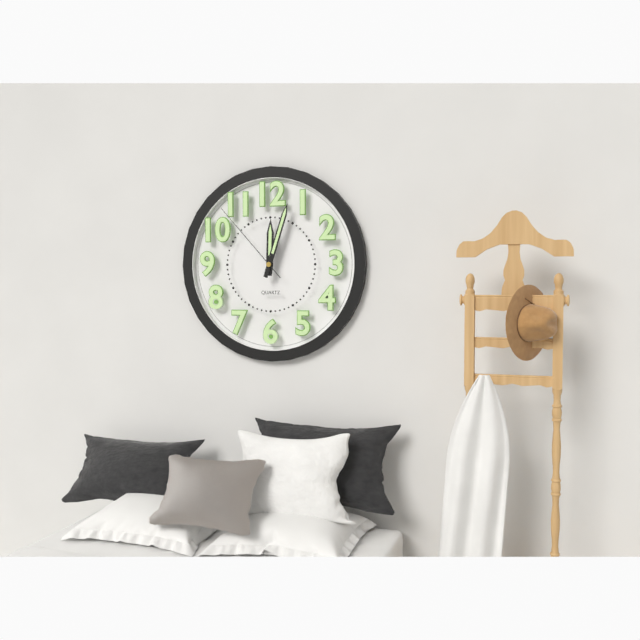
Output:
12,03,53
